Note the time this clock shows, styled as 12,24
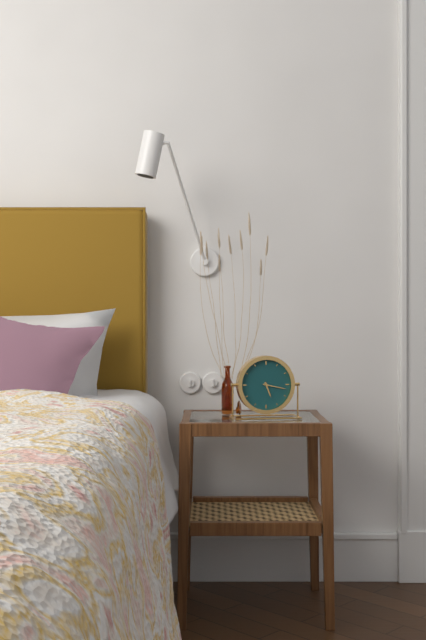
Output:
5,17
